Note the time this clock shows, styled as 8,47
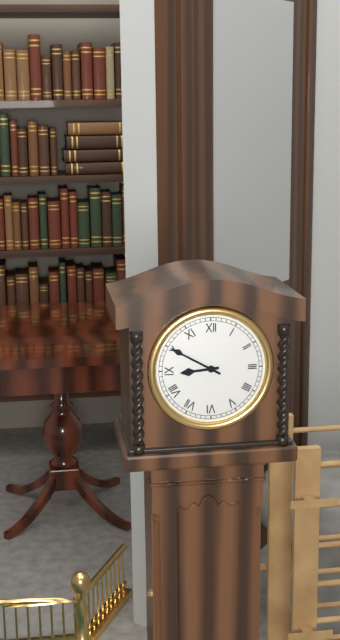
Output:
8,50
